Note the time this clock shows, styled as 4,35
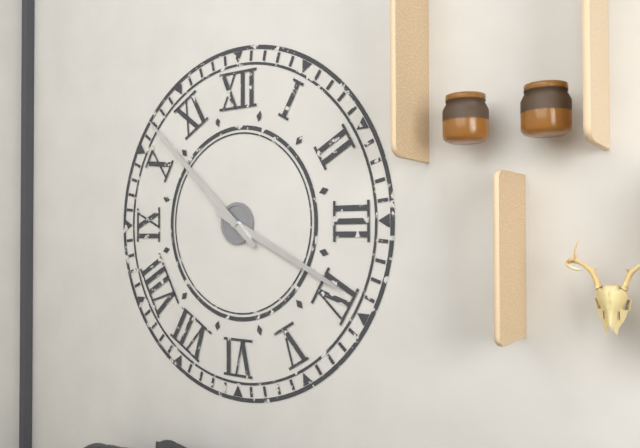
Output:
3,52
